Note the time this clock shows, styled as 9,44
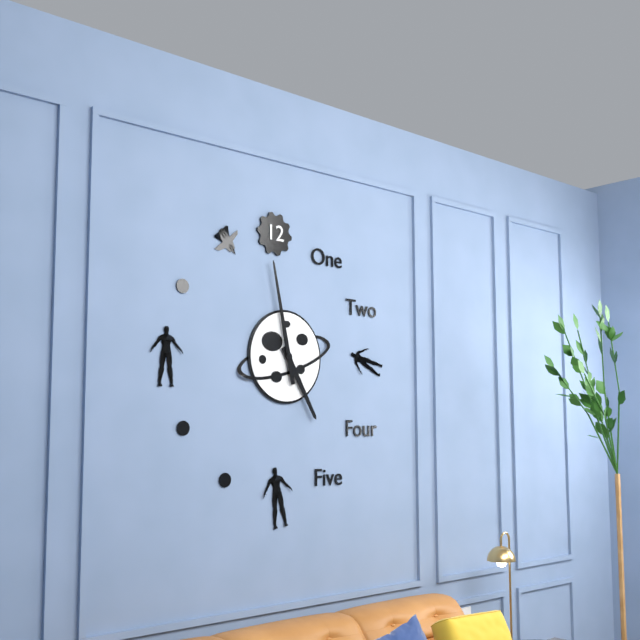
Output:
4,58
